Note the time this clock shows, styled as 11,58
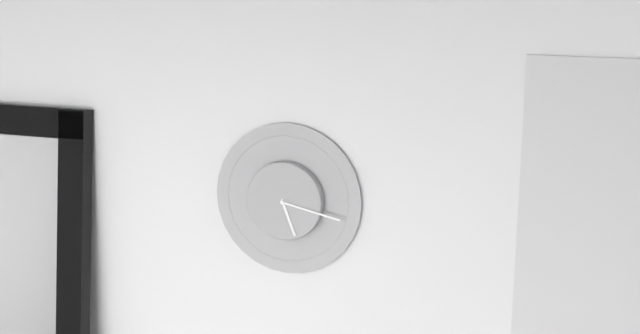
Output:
5,17
